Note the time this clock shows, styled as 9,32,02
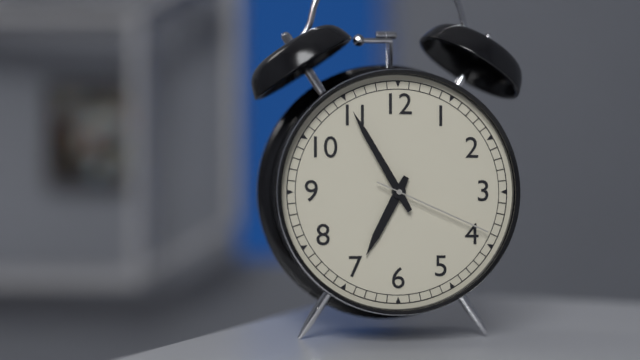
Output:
6,55,19
